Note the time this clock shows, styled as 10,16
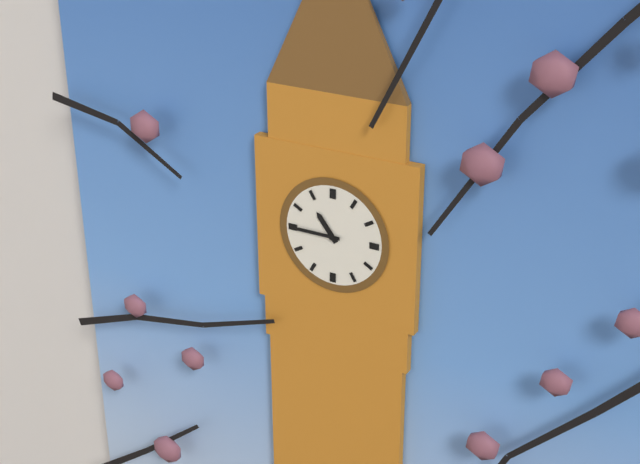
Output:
10,45
